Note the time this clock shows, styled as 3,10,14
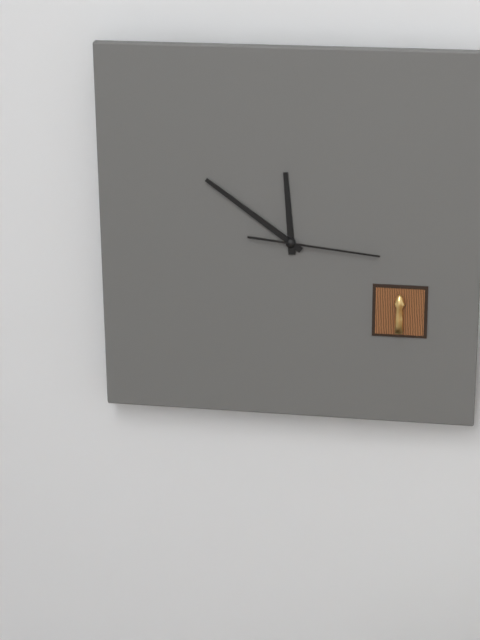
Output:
11,51,16
